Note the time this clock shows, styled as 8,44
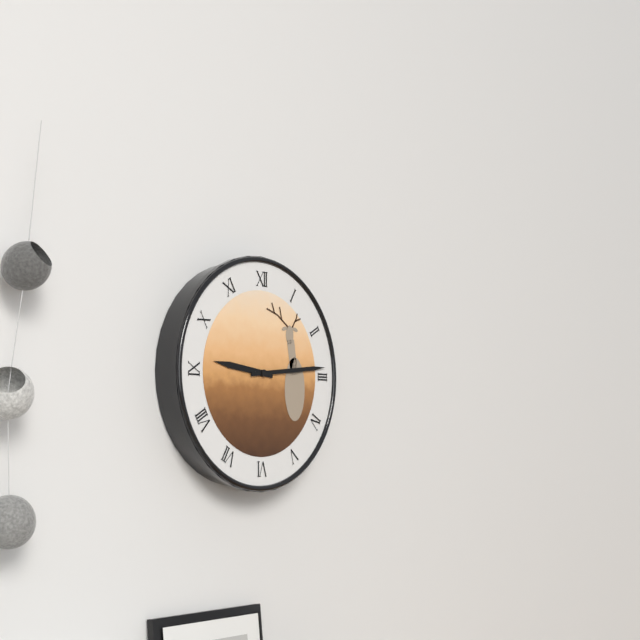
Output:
9,14
